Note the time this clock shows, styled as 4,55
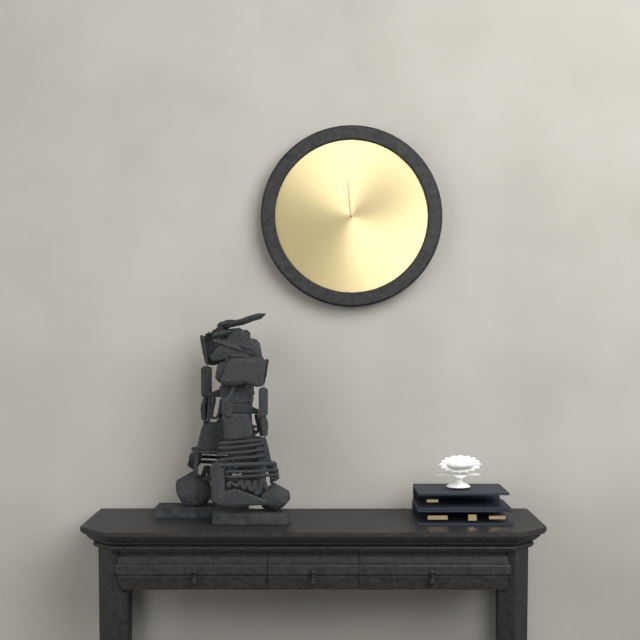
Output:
12,59
